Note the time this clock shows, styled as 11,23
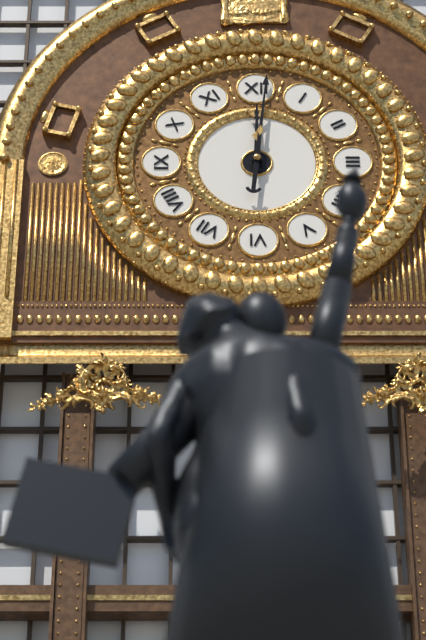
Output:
12,01
